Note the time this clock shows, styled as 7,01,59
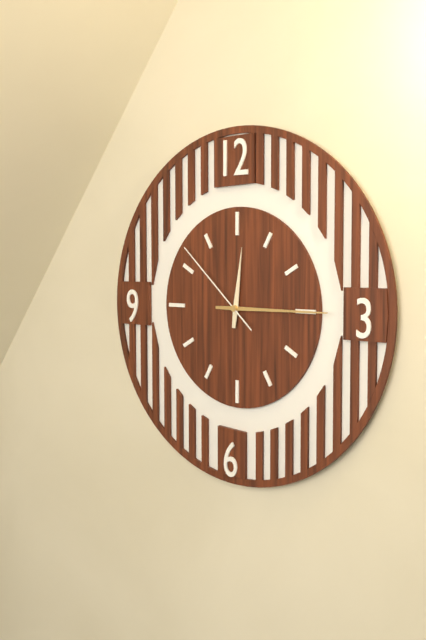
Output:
12,15,52
